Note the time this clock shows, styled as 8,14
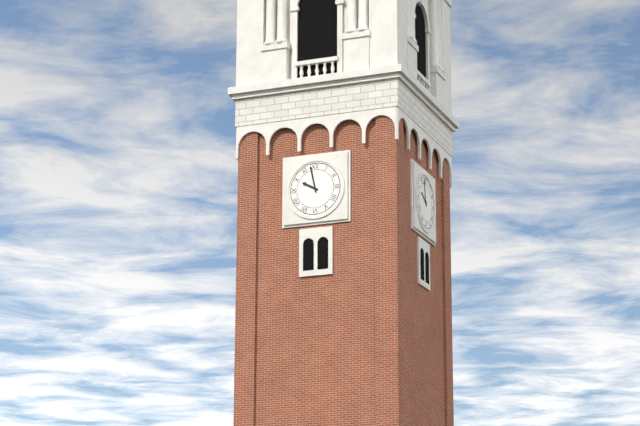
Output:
9,58
